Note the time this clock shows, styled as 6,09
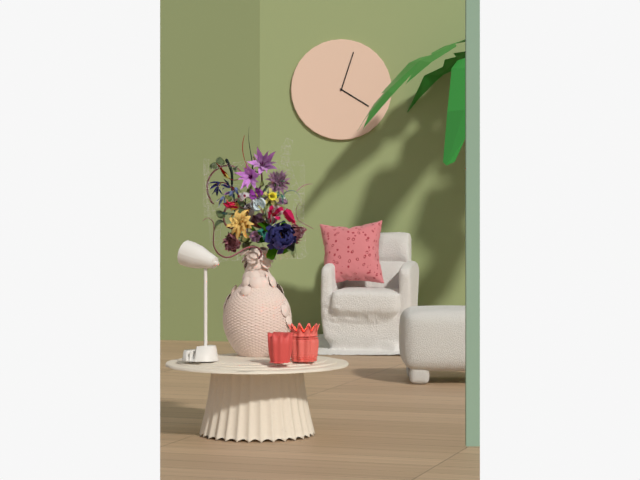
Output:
4,03
